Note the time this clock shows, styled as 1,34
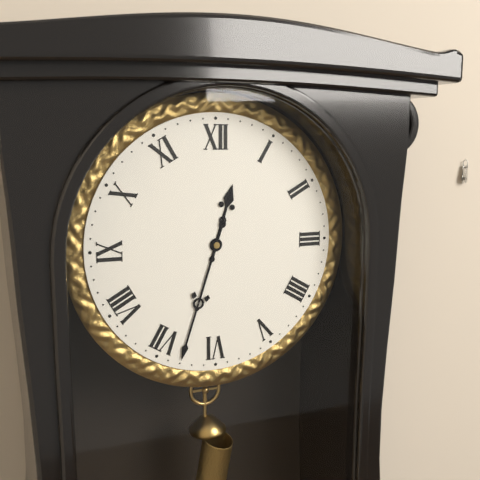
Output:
12,33
